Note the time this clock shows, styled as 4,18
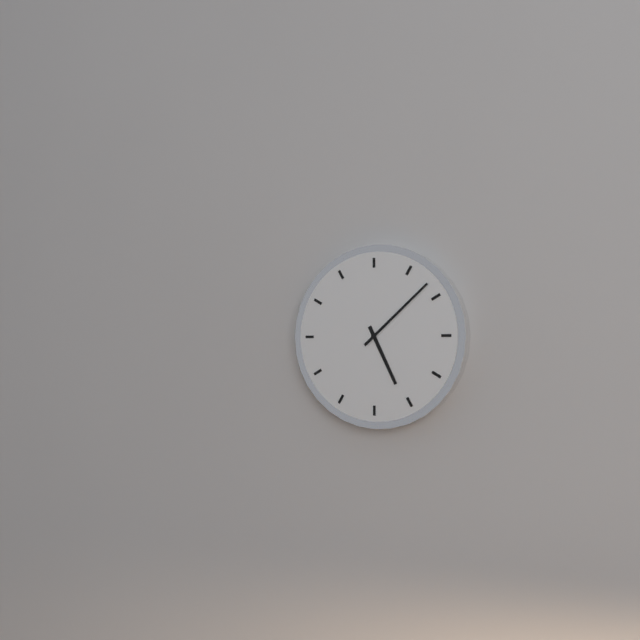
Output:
5,08
